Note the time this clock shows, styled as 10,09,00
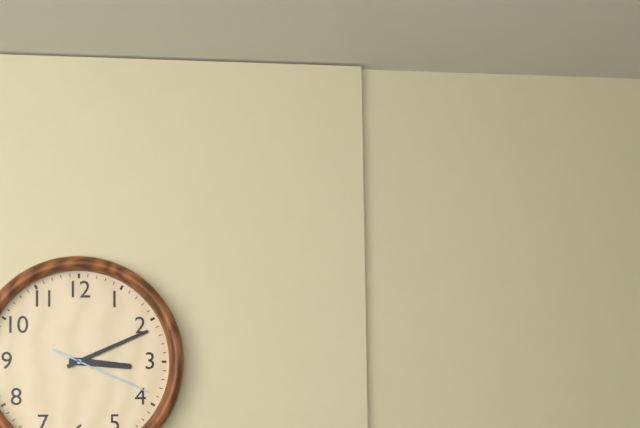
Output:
3,11,19
